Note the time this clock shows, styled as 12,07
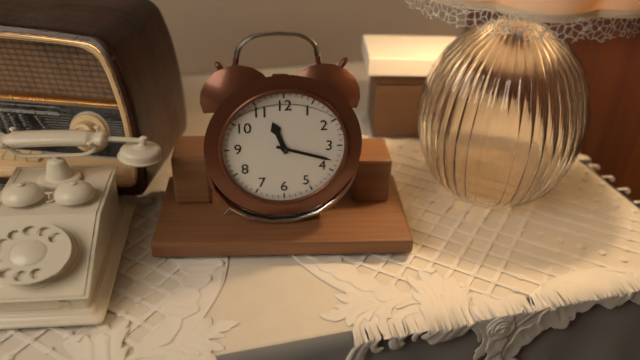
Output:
11,18
